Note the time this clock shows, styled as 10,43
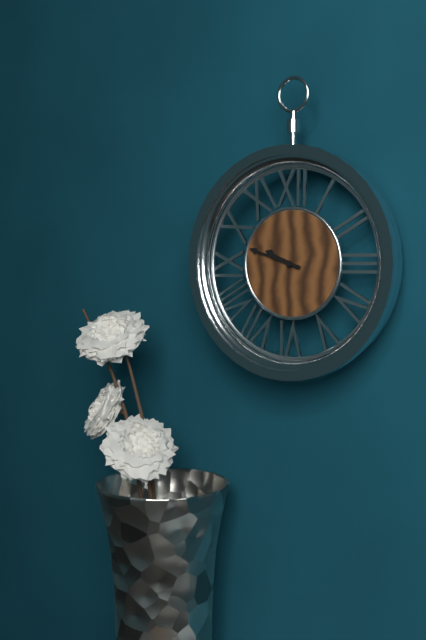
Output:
9,48
